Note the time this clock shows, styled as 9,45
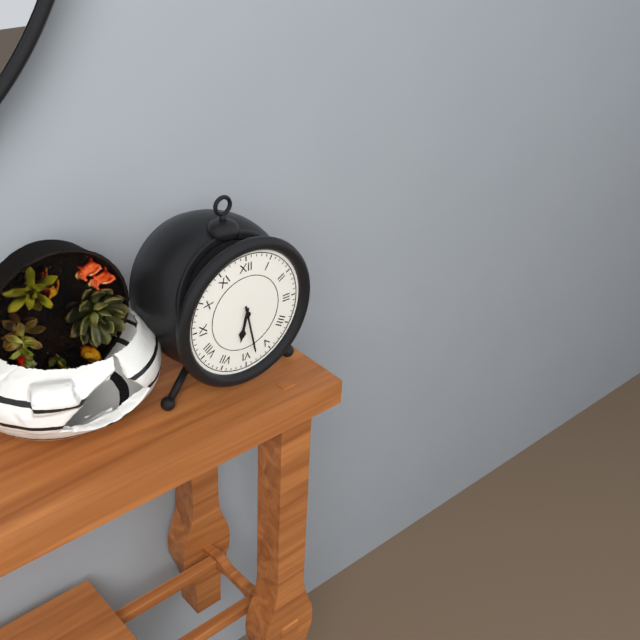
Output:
6,28
